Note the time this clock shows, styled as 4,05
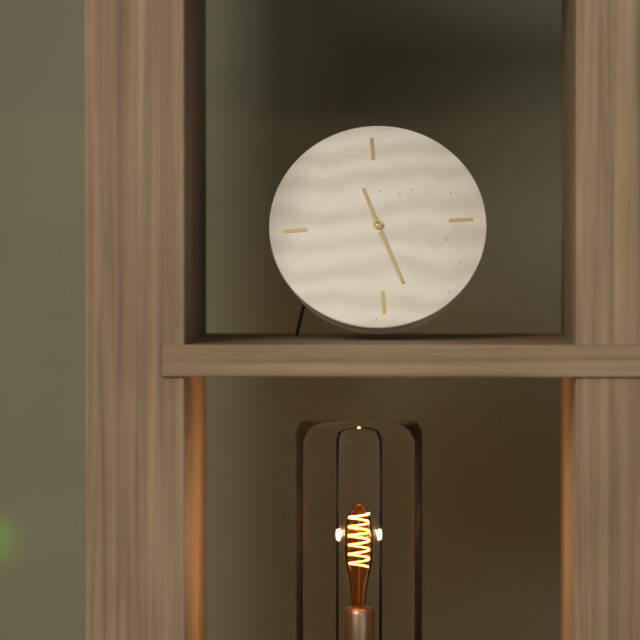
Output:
11,27
